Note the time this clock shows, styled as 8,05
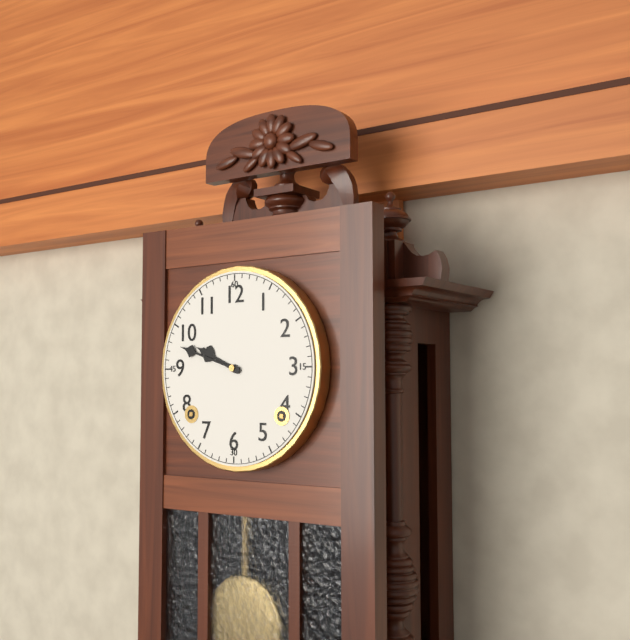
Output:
9,48
